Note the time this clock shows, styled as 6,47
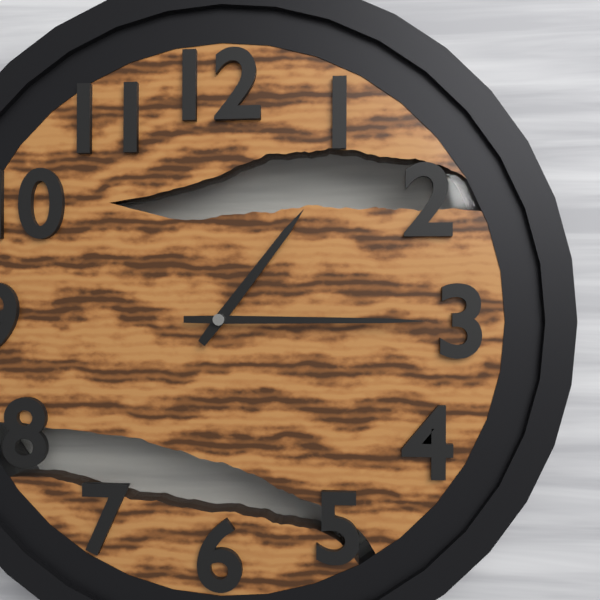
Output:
1,15
